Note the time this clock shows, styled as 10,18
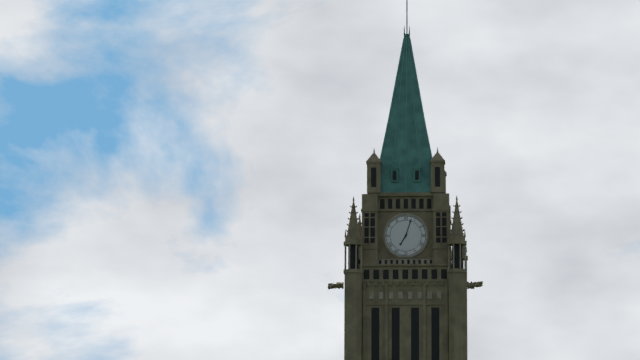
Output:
7,03
